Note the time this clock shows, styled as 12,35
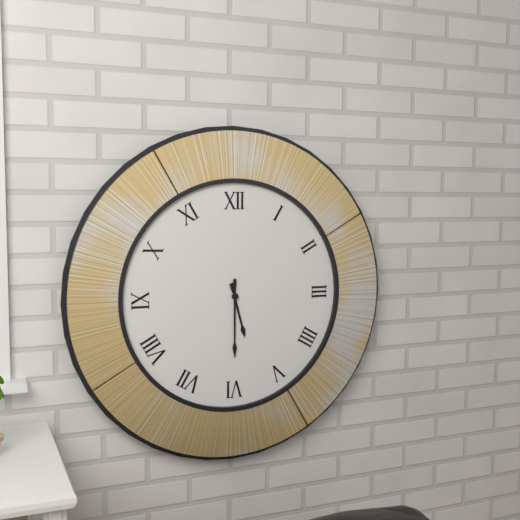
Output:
5,30
